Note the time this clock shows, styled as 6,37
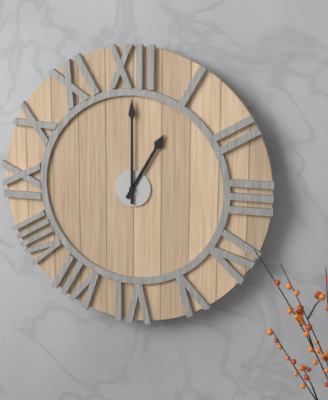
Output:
1,00
